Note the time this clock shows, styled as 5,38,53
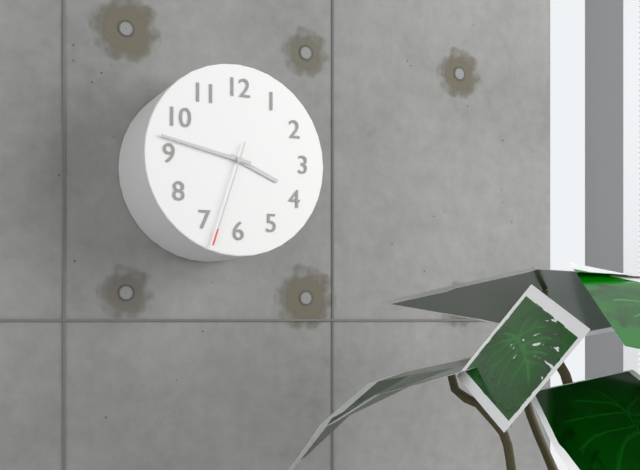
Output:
3,47,33
